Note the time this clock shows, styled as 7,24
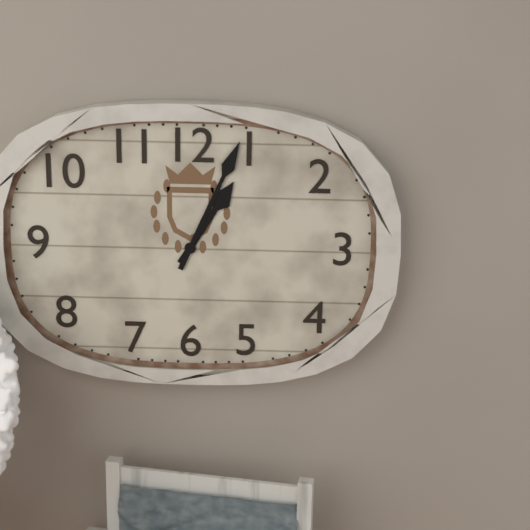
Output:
1,04
